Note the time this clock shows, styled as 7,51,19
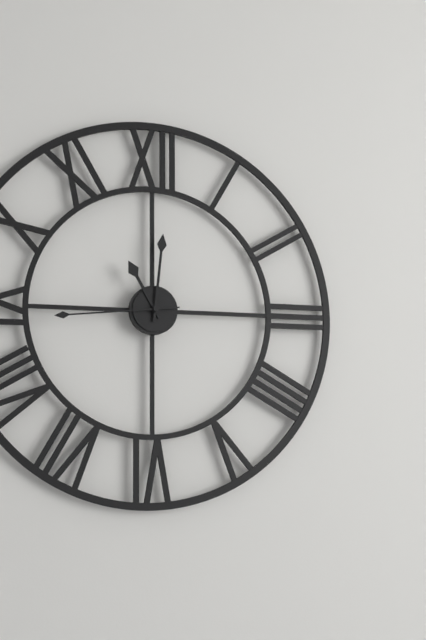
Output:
11,01,44
